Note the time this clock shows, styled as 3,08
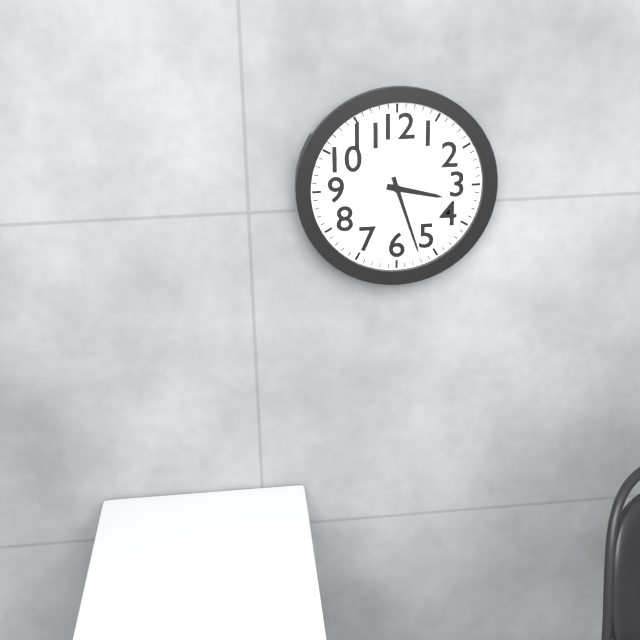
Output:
3,27
